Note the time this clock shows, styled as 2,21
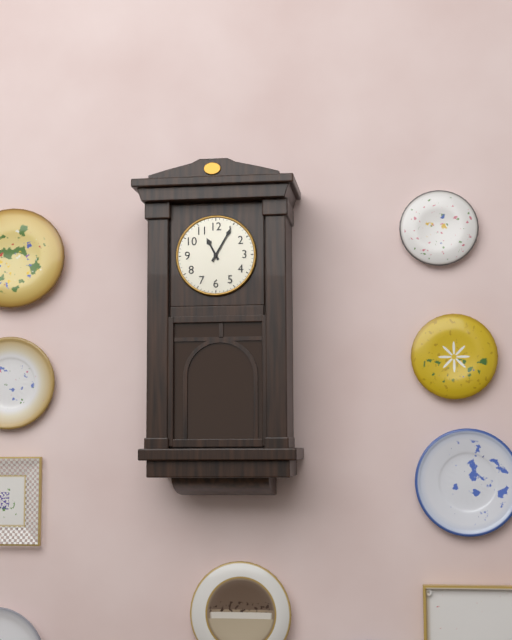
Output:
11,05
